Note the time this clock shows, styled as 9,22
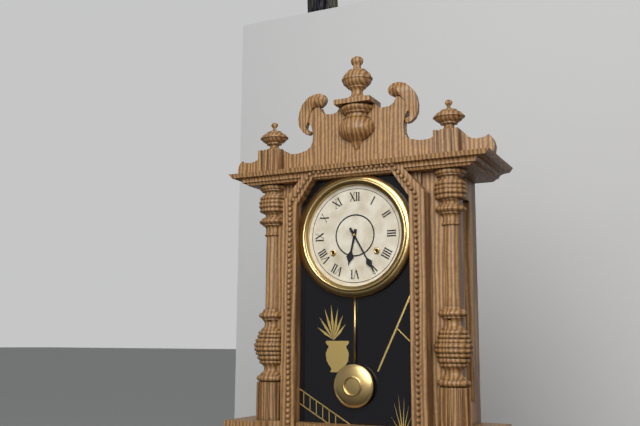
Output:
6,25
